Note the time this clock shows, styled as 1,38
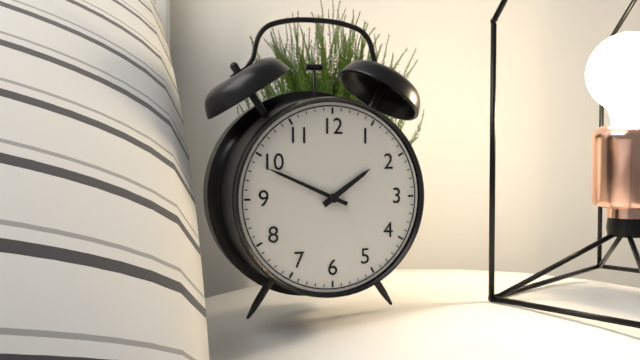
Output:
1,49
